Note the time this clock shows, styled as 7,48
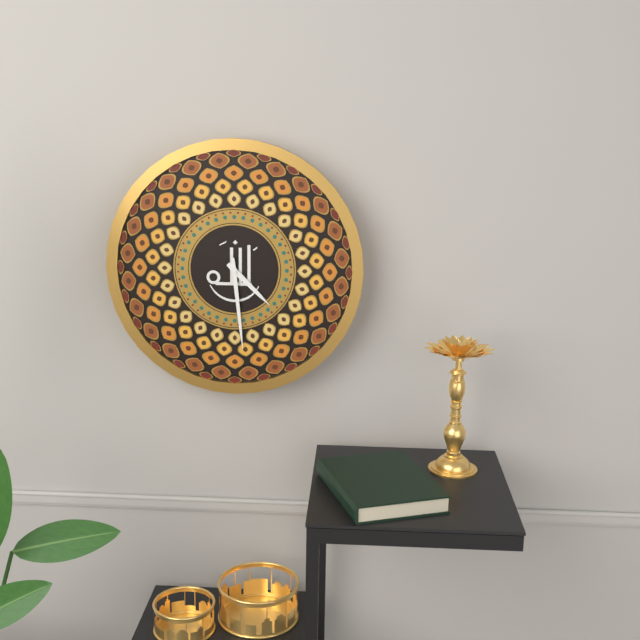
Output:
4,29
